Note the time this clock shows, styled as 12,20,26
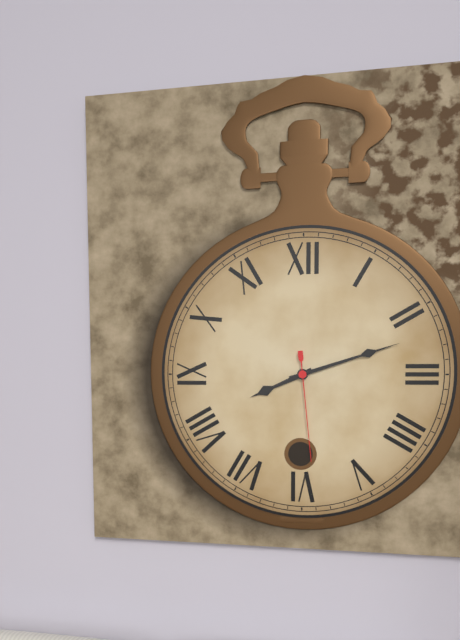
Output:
8,12,29
